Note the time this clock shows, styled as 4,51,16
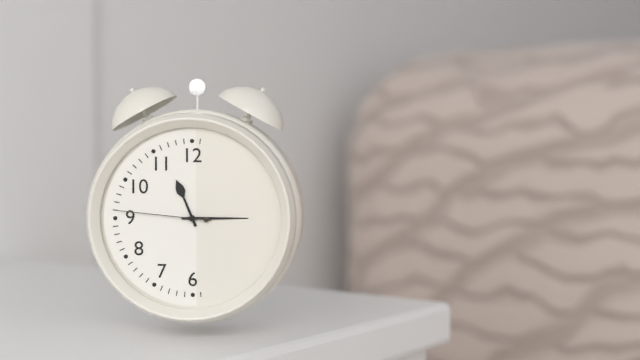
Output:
11,15,46
